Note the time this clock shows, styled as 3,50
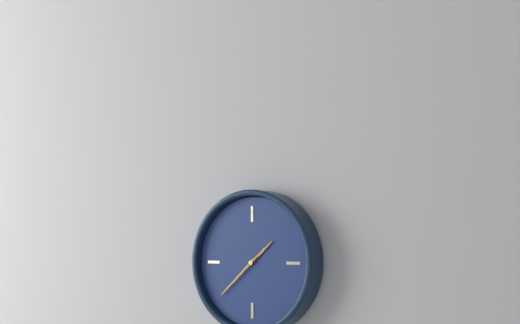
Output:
1,38
